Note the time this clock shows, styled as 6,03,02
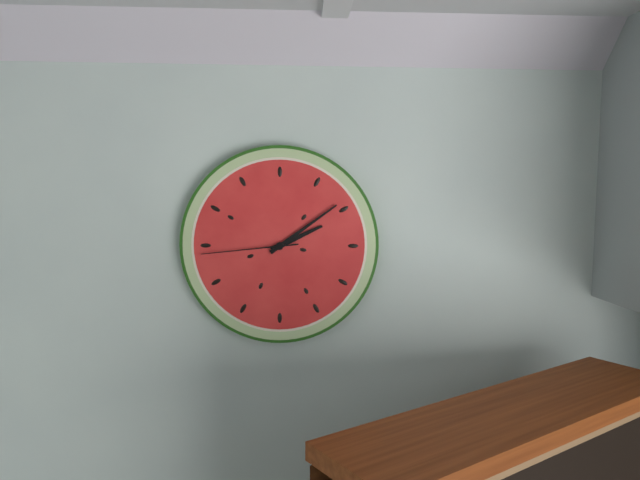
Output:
2,09,44
